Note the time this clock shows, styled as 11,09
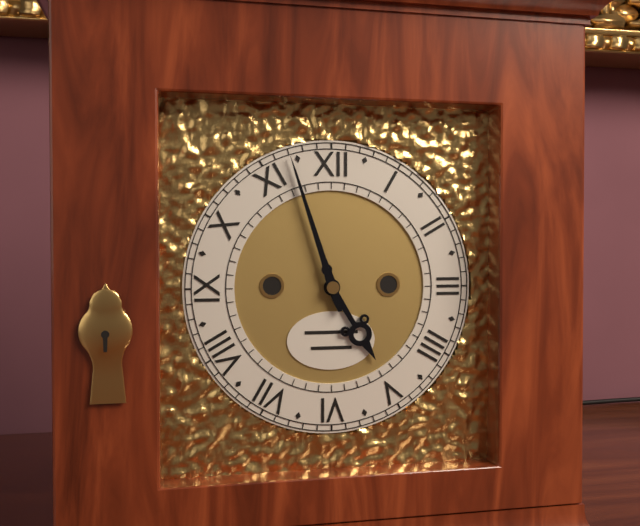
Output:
4,57
